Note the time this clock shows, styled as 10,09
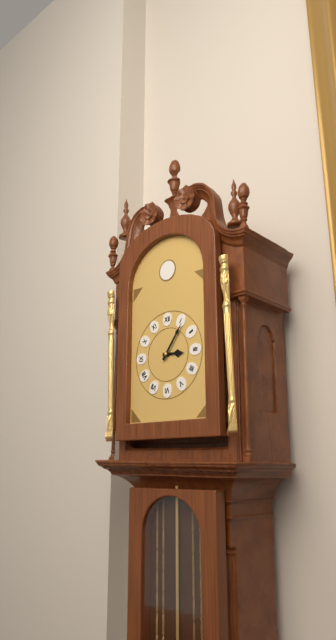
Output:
3,06
